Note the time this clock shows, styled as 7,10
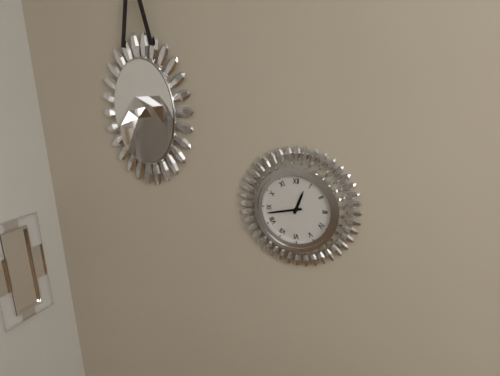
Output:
12,43
